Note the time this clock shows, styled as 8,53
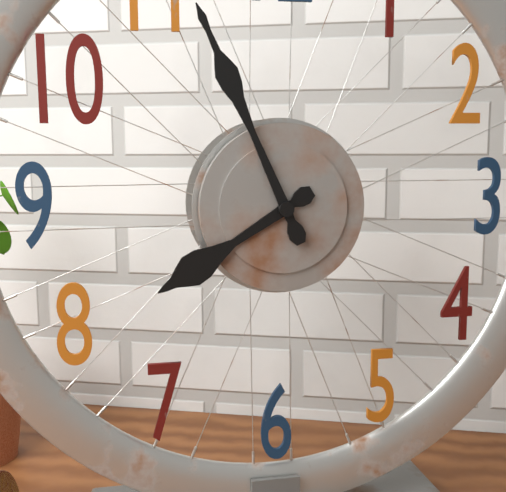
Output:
7,56
